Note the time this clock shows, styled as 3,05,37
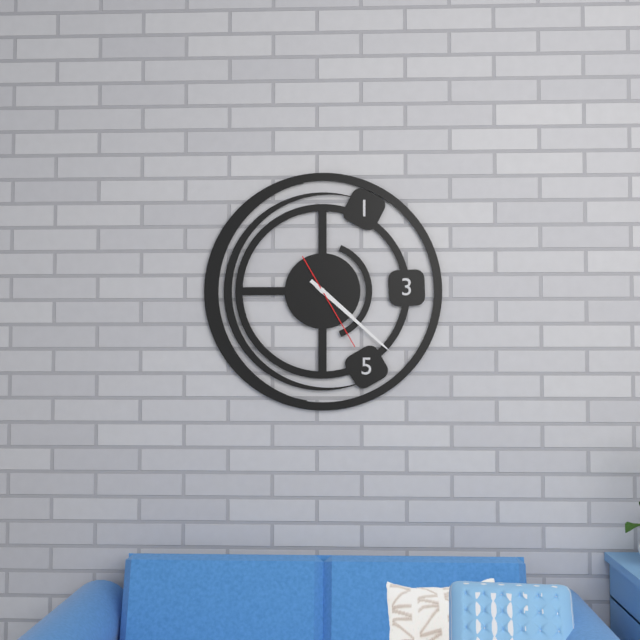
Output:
4,22,25
